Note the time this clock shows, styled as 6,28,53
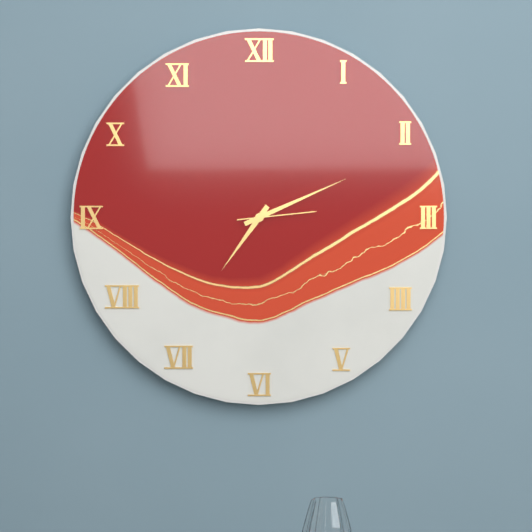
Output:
7,11,14
